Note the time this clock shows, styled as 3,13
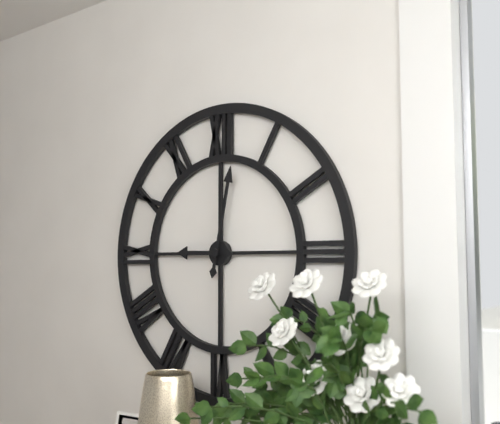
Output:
9,02
